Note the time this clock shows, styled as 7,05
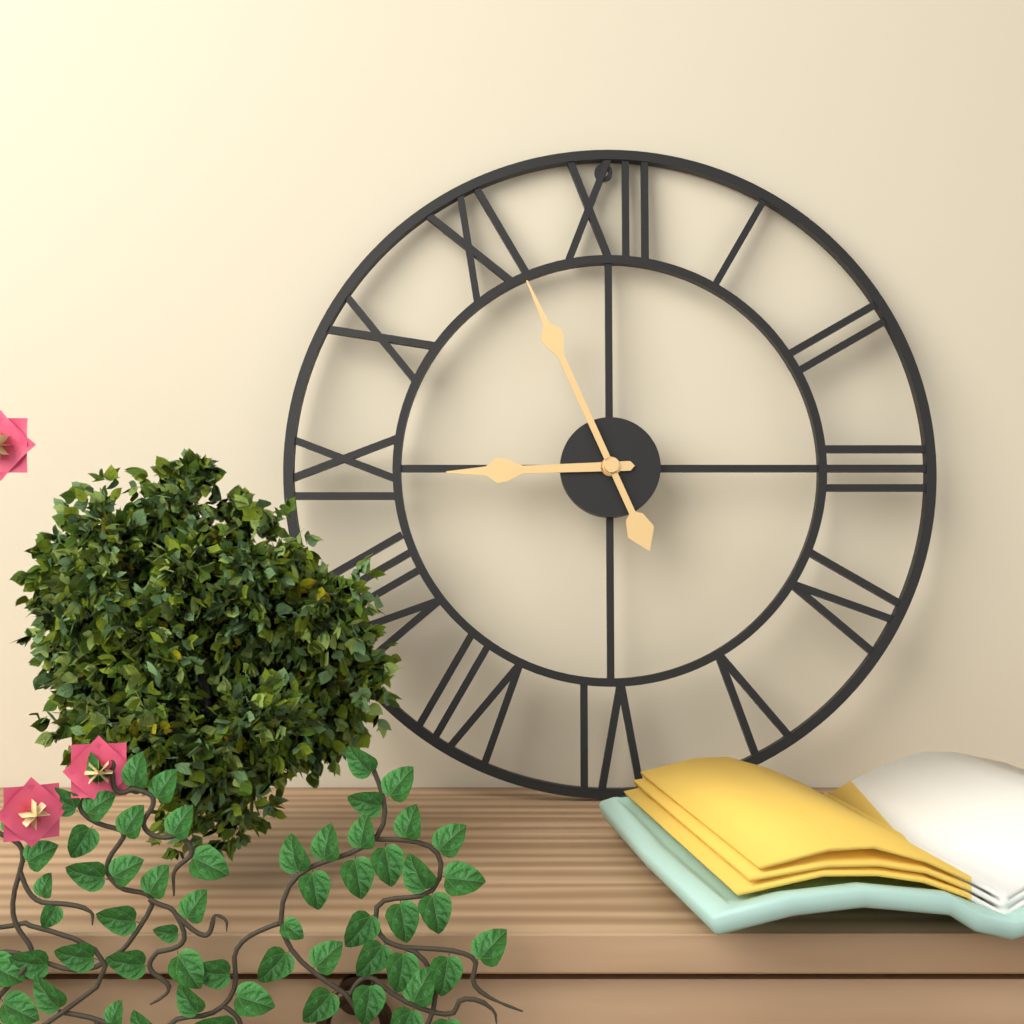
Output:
8,56
